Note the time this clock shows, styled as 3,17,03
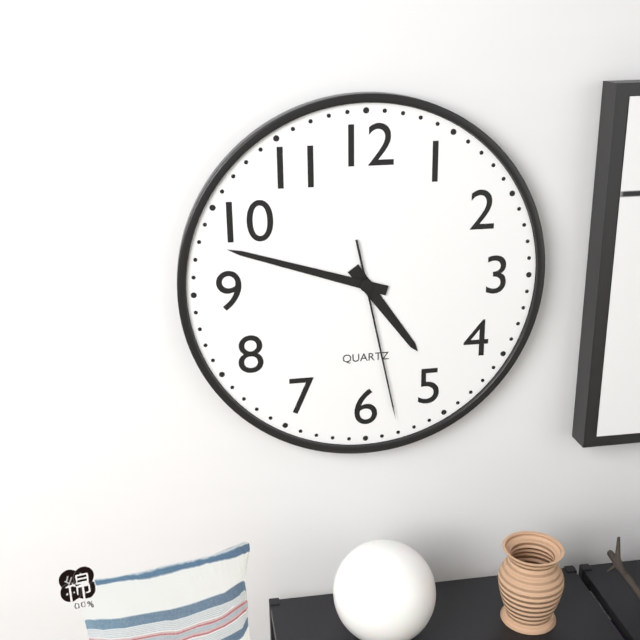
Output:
4,48,28
